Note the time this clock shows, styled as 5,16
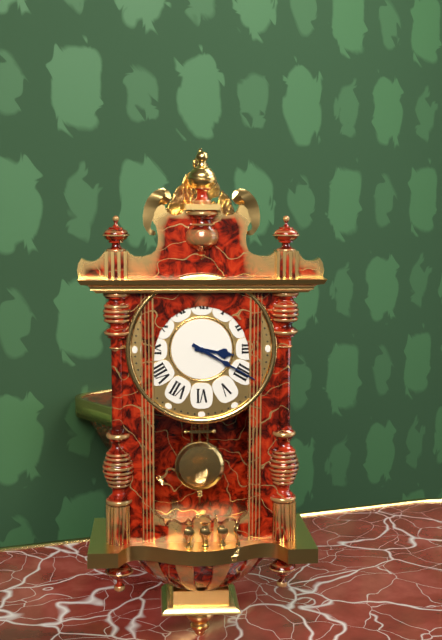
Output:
3,20
